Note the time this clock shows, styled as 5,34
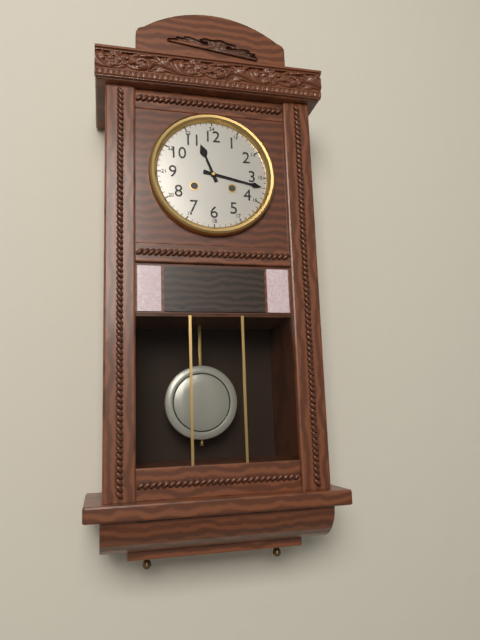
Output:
11,17
